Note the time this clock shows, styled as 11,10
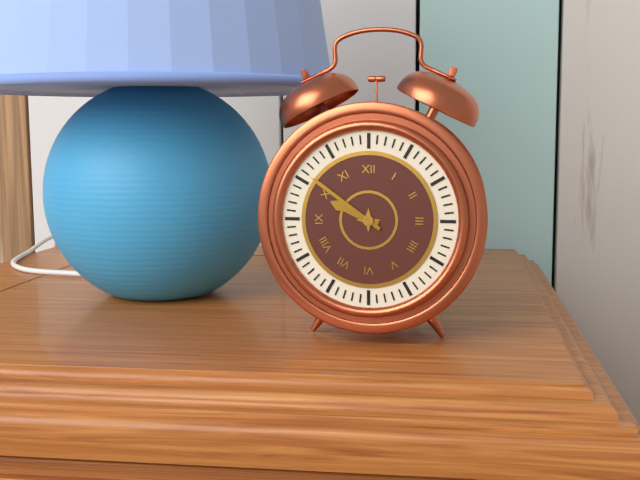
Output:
9,51
